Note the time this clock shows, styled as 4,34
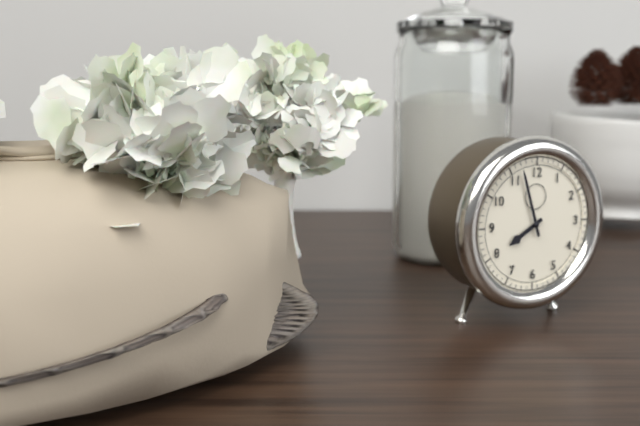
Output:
7,57
